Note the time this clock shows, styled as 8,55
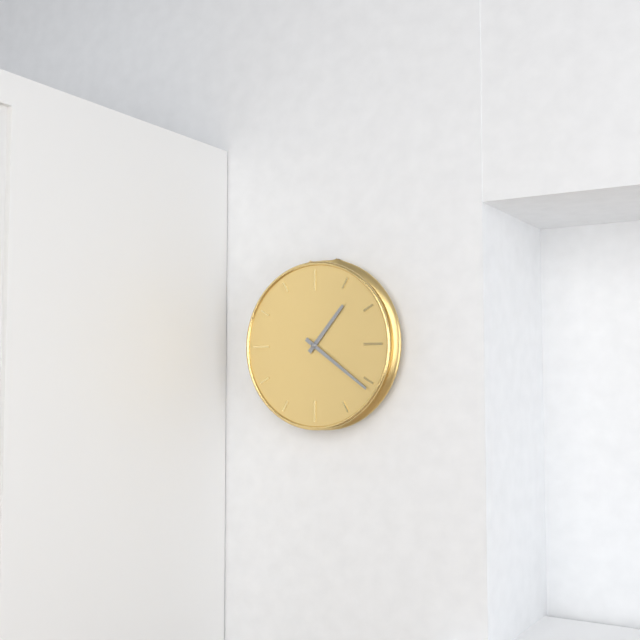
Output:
1,21
